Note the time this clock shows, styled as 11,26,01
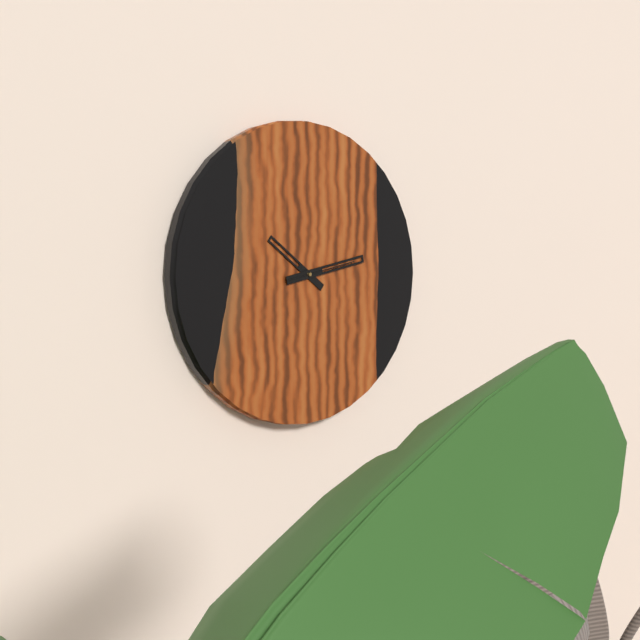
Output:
10,13,13
